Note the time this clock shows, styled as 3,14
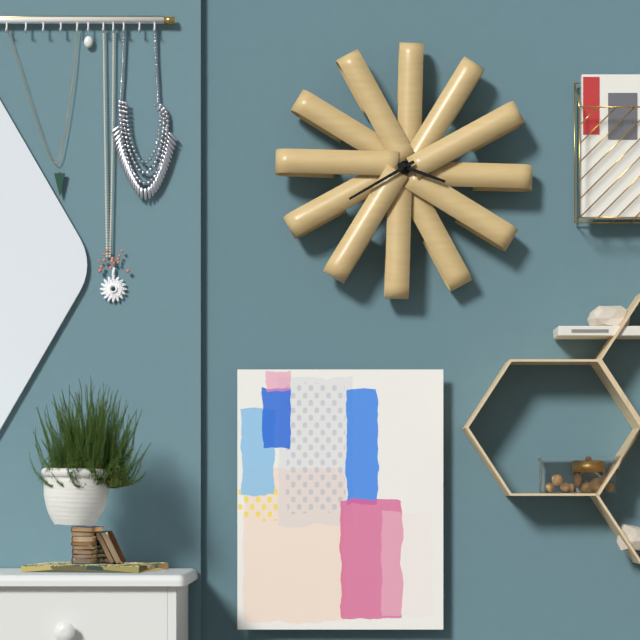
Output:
3,40
